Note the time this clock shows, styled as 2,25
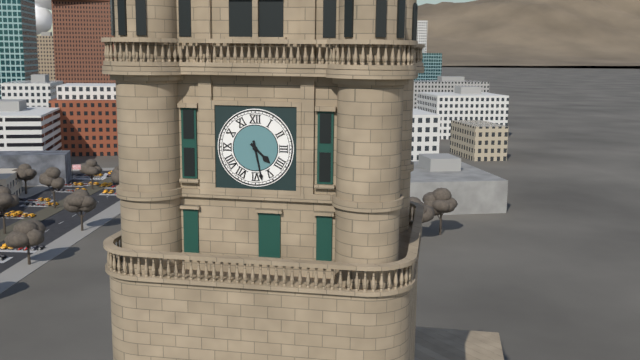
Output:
4,28
